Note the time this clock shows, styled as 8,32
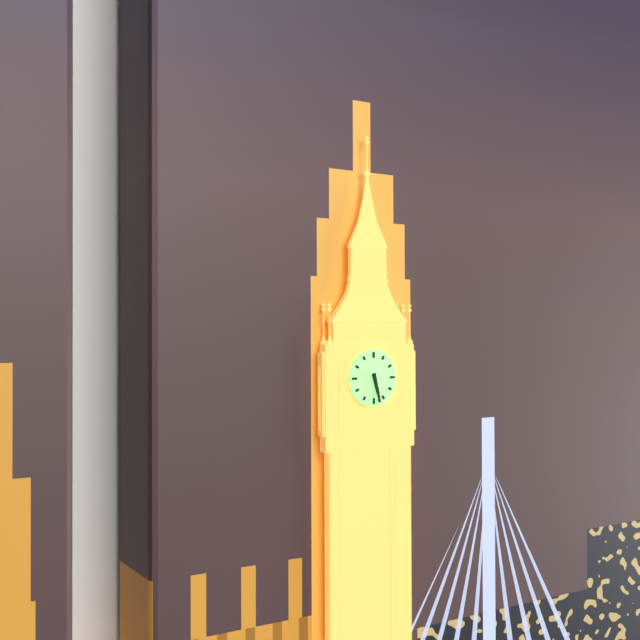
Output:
5,28
